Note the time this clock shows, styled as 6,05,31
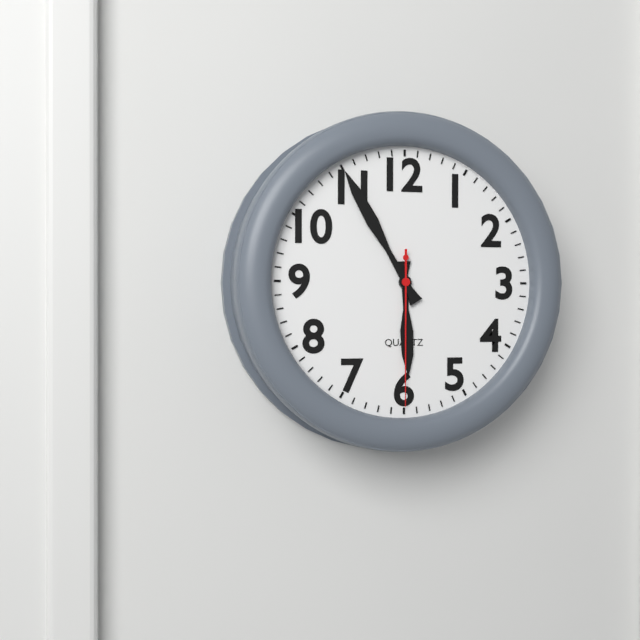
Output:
5,55,30
